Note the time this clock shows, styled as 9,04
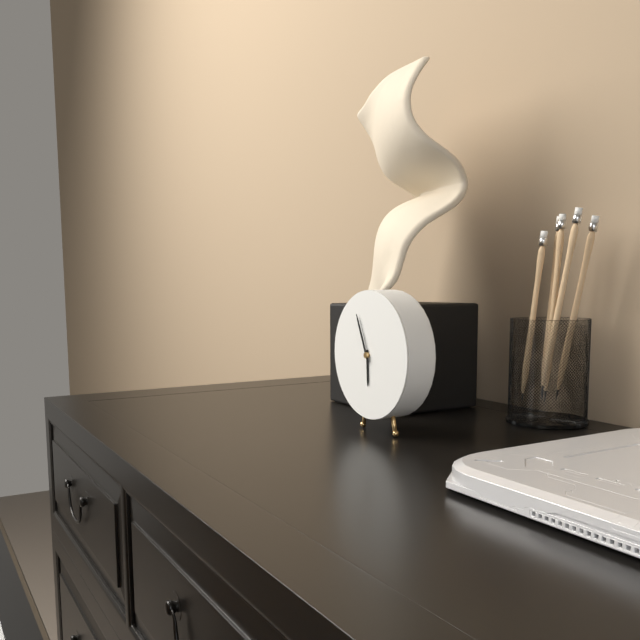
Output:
5,56
